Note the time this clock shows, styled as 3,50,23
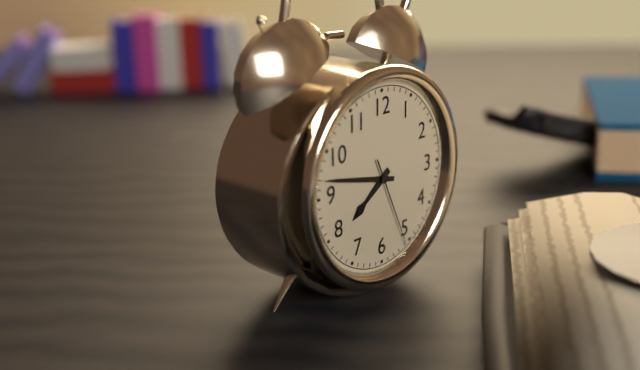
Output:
7,47,26
